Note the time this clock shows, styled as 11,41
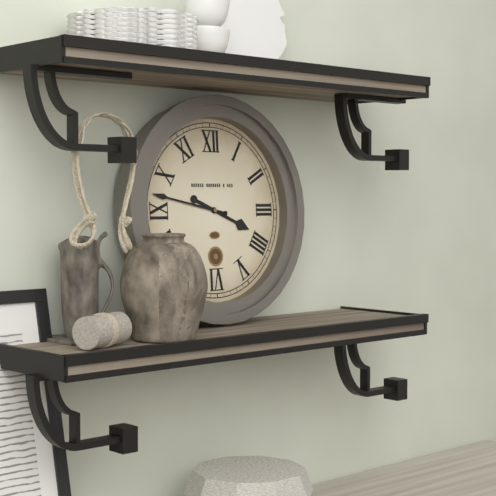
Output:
3,47
